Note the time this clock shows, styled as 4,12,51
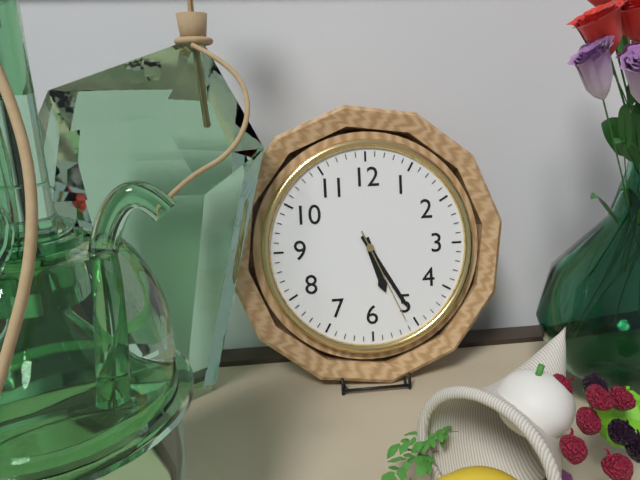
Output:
5,25,26
